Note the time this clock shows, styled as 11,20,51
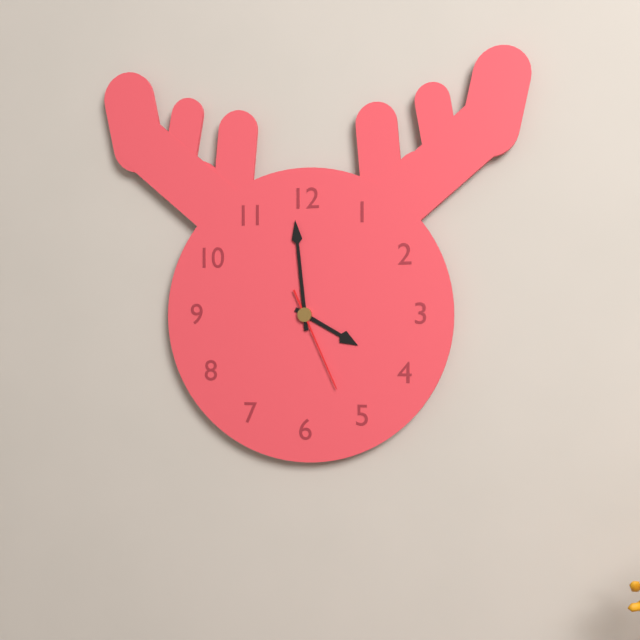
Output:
3,59,26
